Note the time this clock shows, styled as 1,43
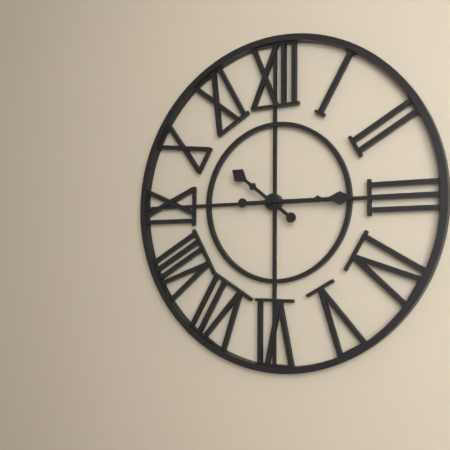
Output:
10,15
